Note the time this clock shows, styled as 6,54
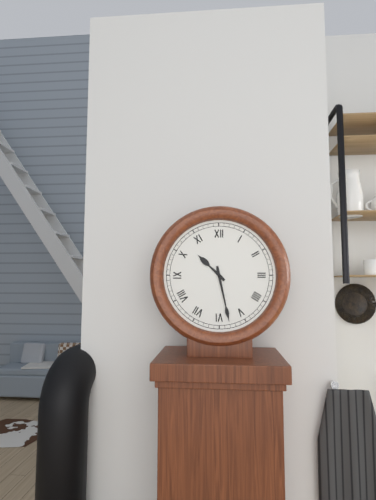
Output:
10,28
